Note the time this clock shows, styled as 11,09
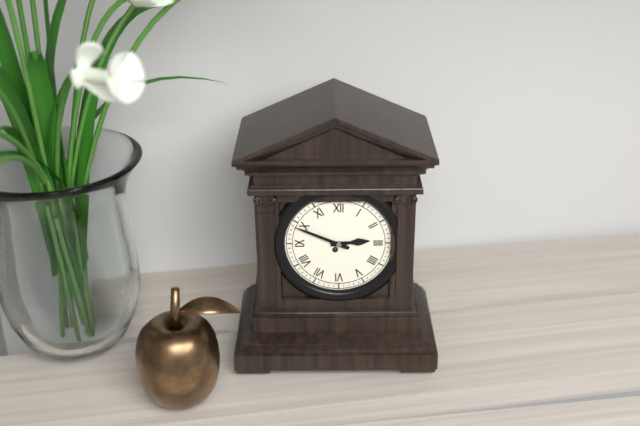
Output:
2,49
